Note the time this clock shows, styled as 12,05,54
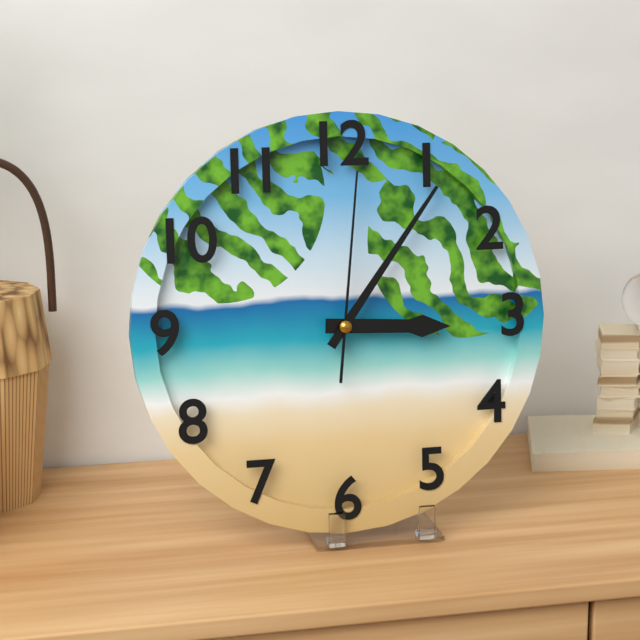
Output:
3,06,01
